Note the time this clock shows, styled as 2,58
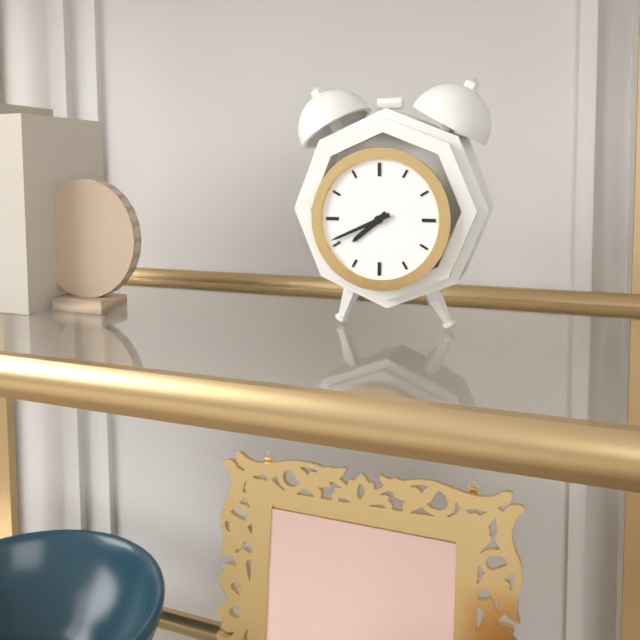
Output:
7,41
